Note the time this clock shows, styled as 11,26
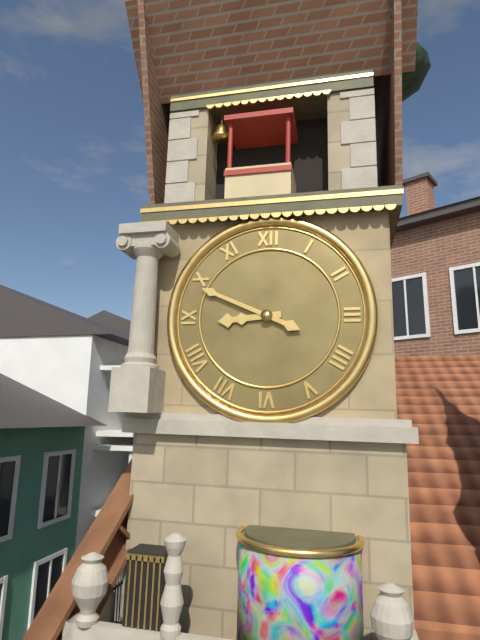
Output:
8,49
